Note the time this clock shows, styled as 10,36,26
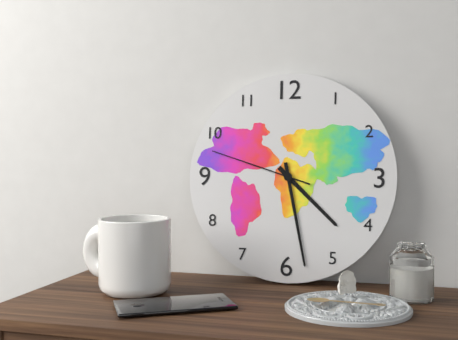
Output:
4,28,48
